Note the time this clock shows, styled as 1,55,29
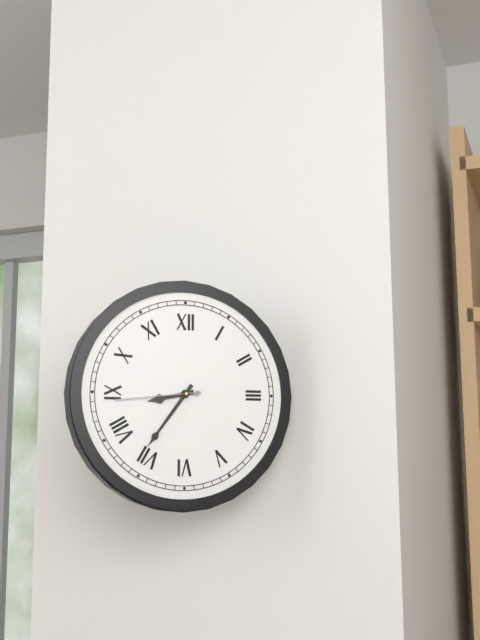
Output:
8,36,44
